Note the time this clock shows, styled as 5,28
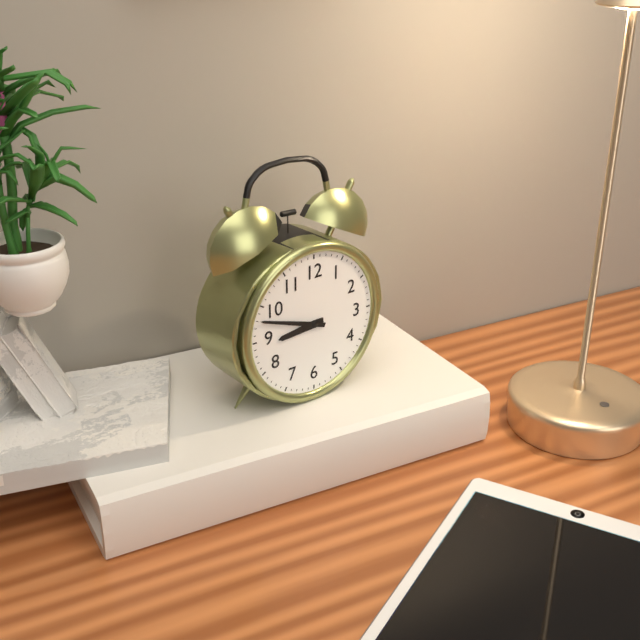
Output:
8,48
